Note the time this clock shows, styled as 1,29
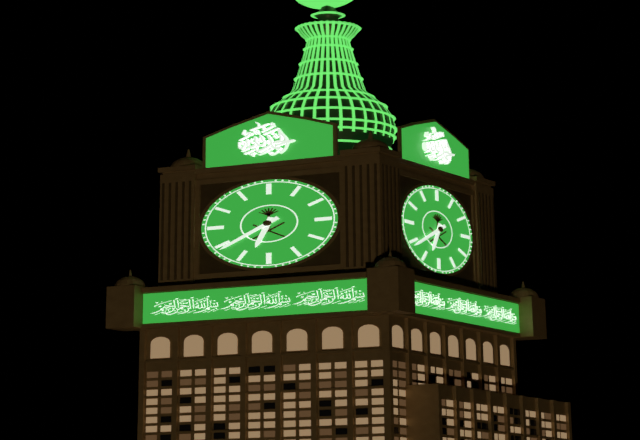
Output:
6,39
